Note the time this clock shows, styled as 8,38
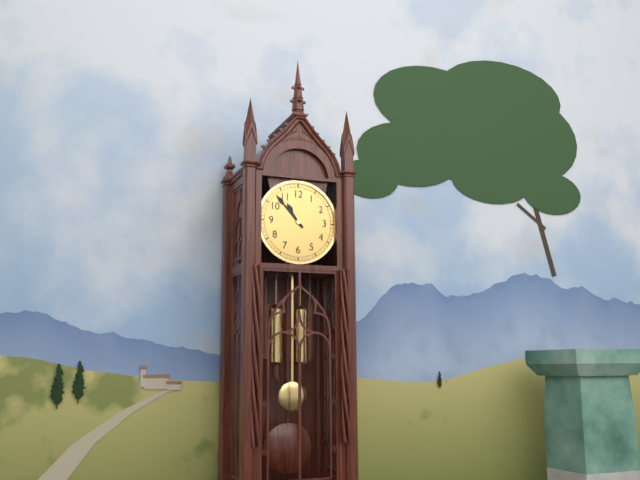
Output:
10,53
